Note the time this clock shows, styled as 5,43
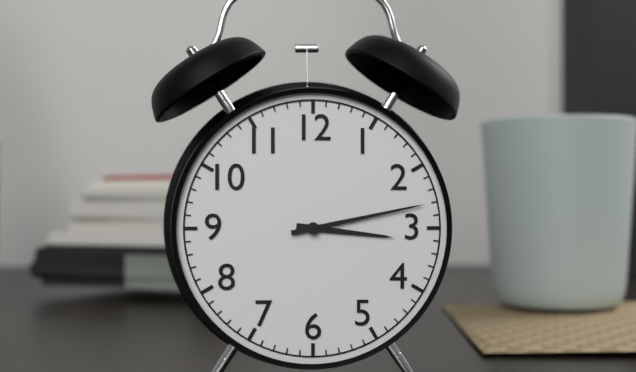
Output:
3,13
